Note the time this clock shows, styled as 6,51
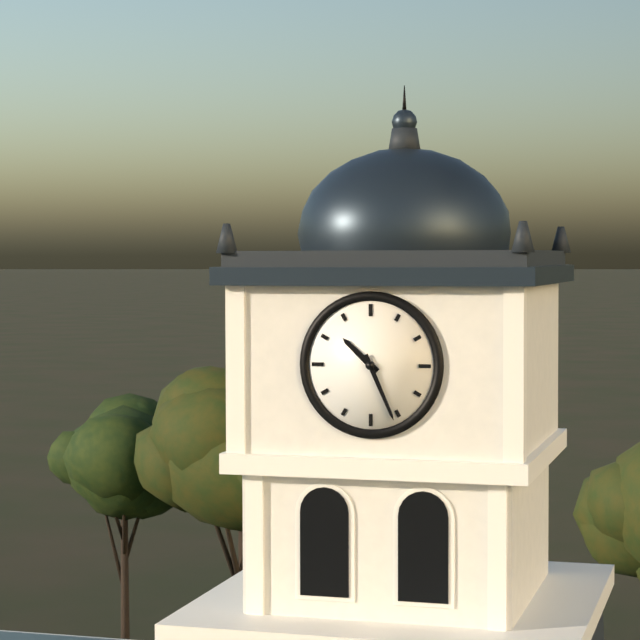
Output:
10,26
